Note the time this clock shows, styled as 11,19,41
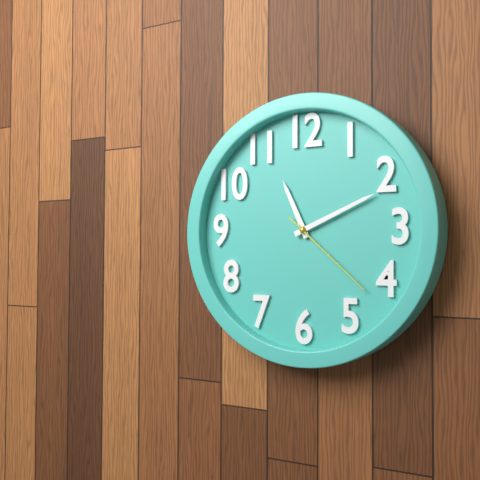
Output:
11,11,22
